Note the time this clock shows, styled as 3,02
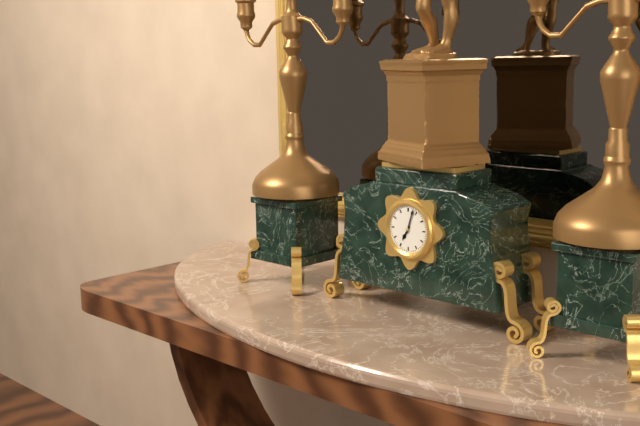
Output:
7,03
